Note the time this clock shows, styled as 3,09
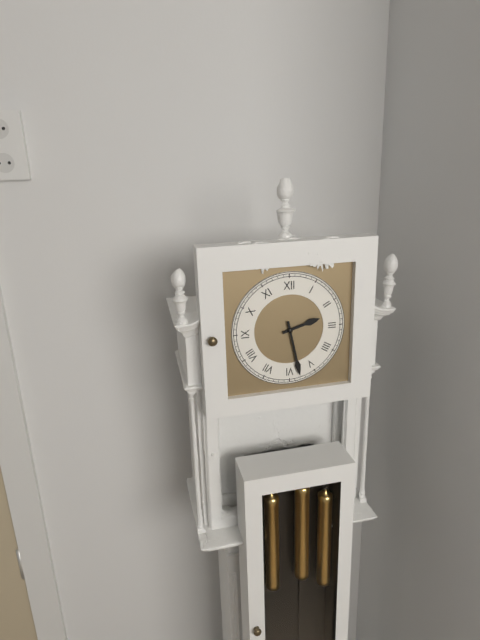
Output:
2,28
